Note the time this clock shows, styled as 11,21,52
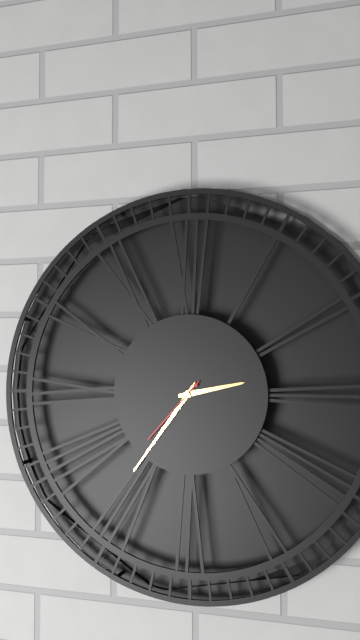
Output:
2,36,37
